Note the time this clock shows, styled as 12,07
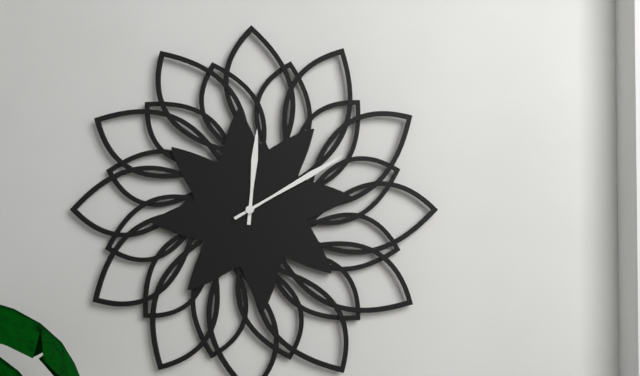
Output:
12,10
